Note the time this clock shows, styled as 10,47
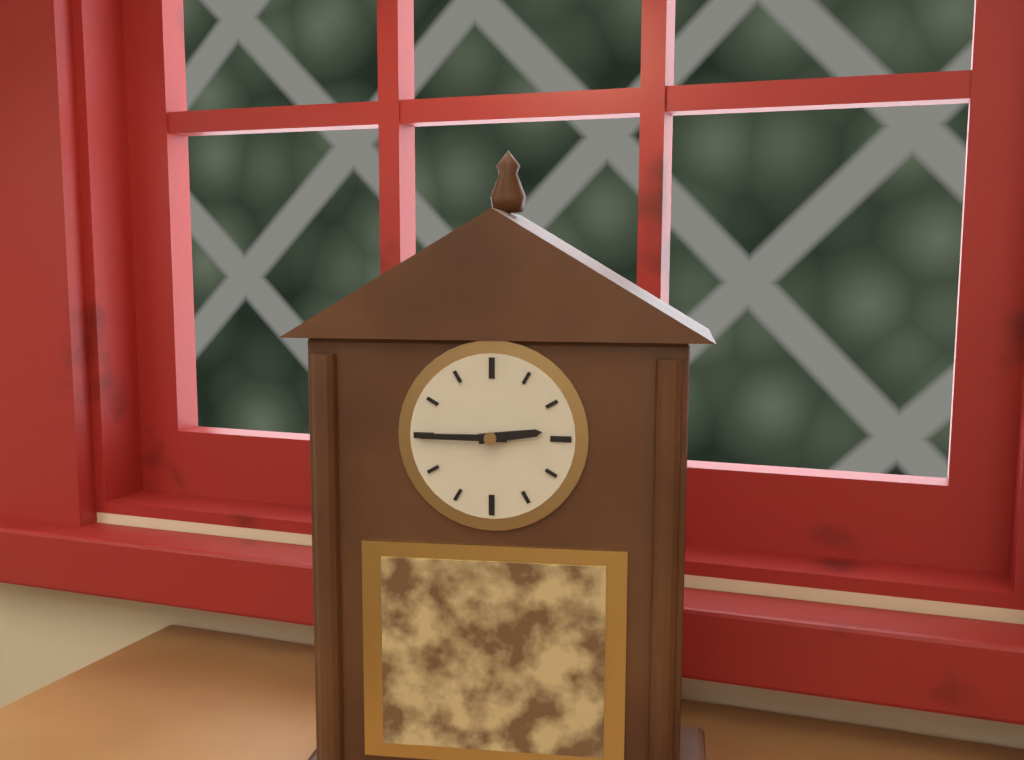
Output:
2,45
